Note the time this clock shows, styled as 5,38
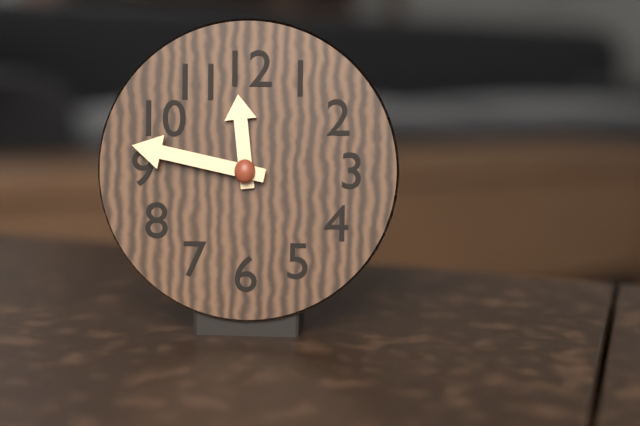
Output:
11,47
